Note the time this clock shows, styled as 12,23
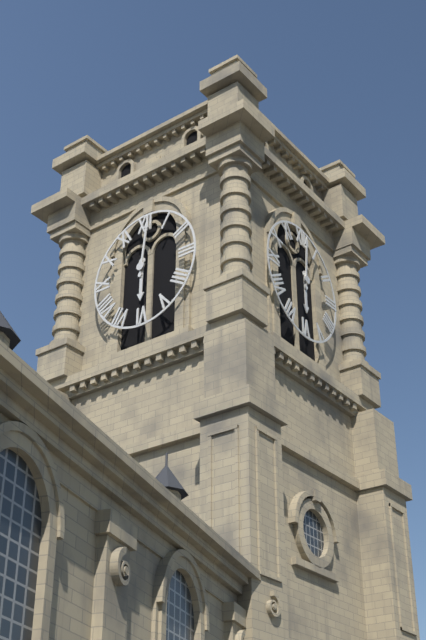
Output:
6,01
